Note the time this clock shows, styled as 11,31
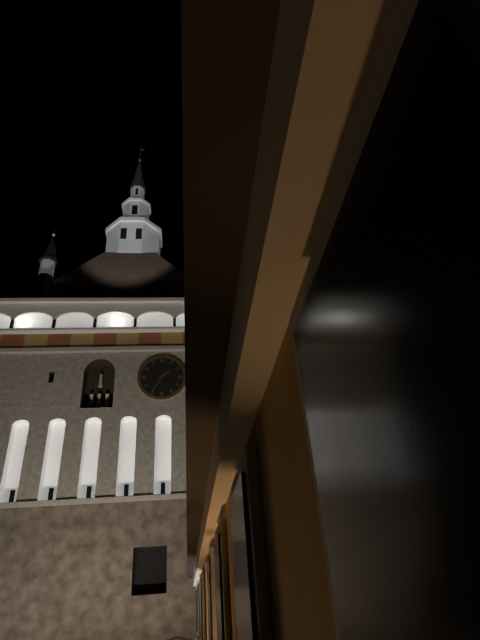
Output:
1,35
